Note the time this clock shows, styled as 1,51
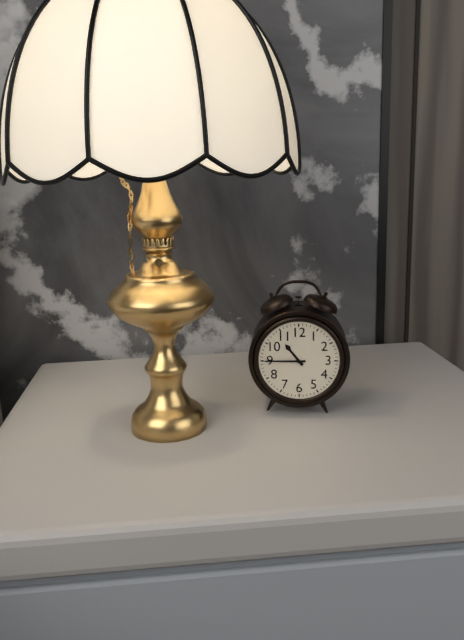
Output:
10,45
